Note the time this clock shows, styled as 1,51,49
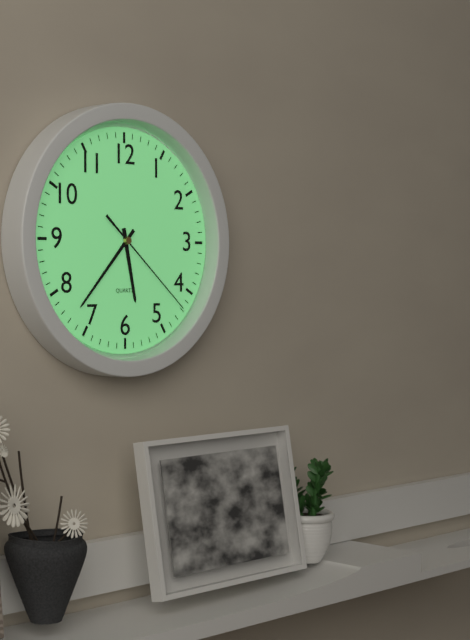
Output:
5,37,22
